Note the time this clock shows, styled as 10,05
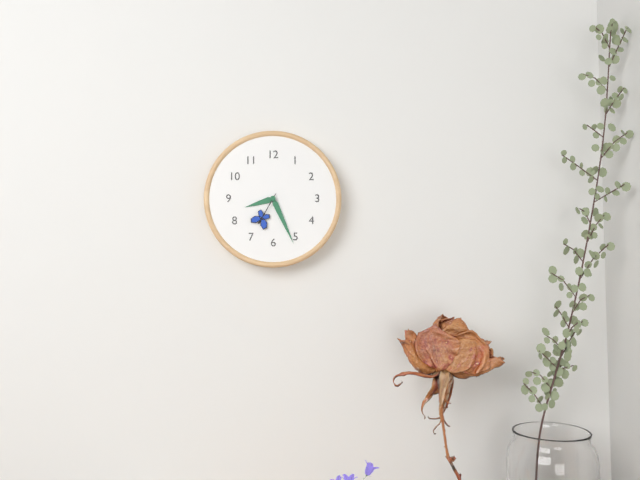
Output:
8,26
